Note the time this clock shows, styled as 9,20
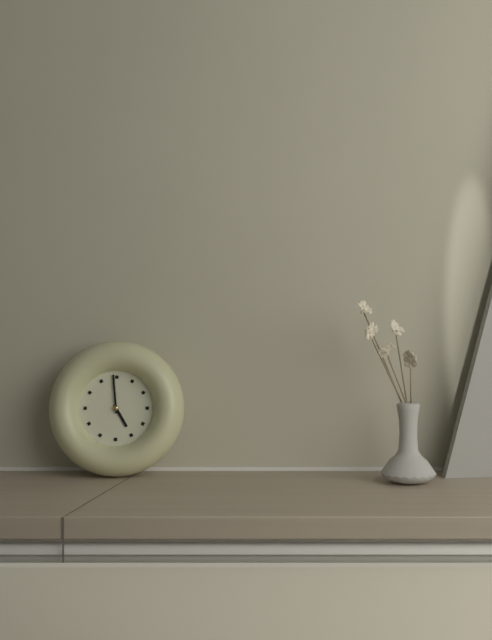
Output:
4,59
